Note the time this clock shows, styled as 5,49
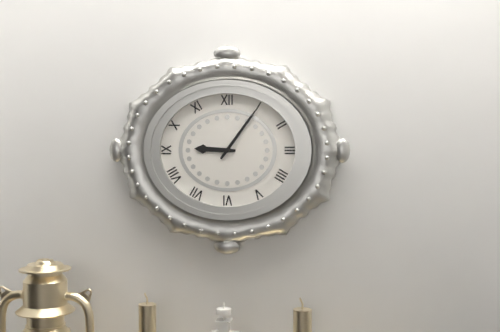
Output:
9,06
